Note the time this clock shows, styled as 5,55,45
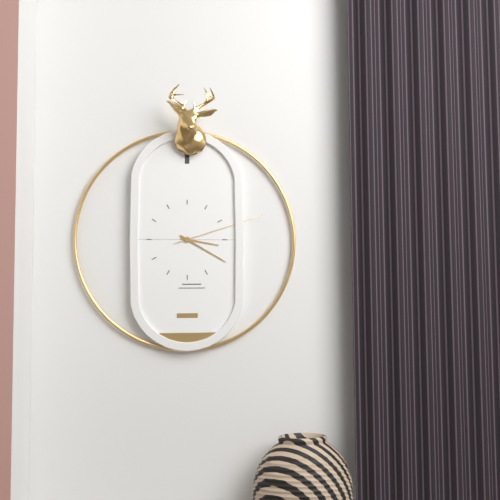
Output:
3,20,12
